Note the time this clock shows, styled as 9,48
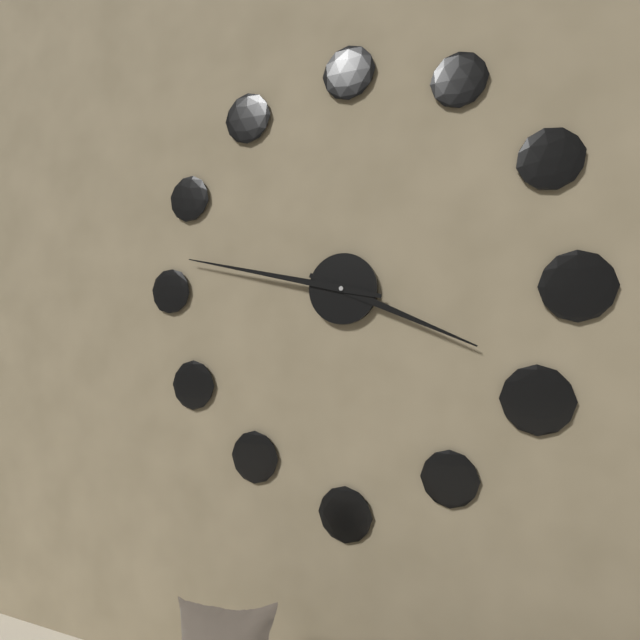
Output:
3,47
